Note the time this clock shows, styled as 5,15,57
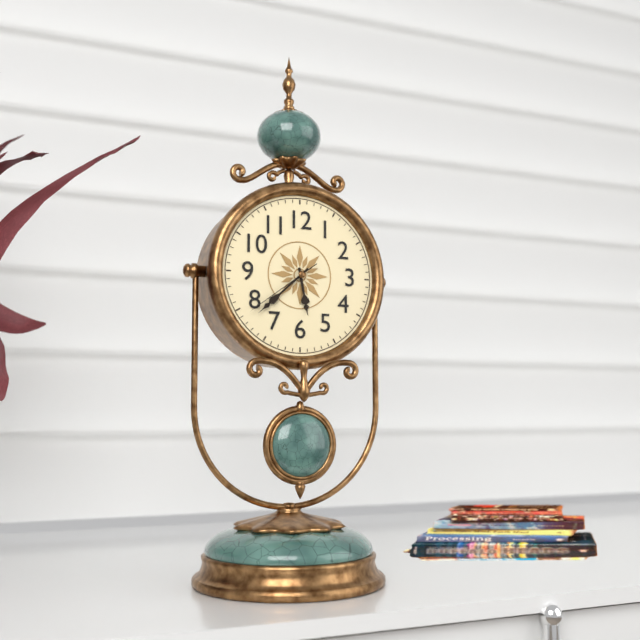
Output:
5,38,39
